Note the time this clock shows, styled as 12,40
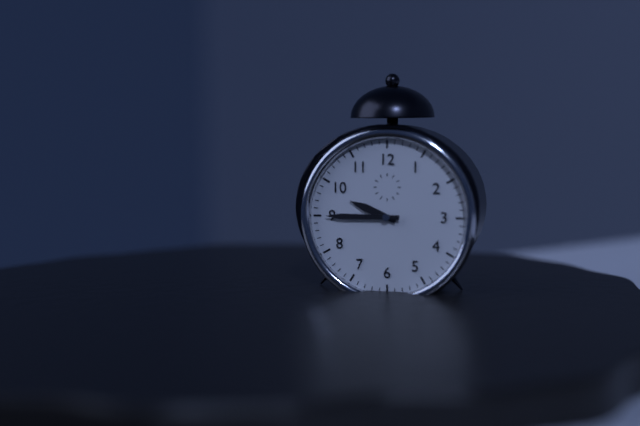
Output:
9,45
